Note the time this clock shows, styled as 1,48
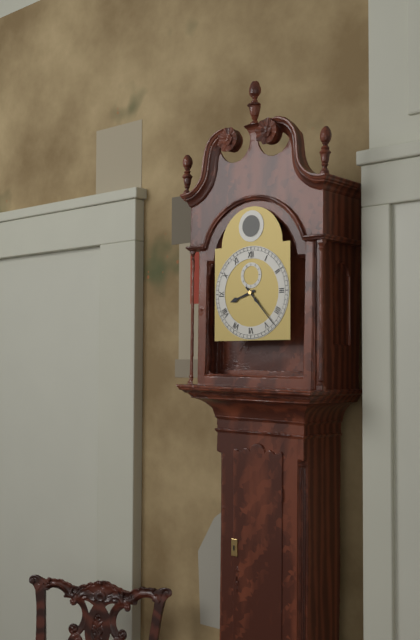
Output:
8,23
